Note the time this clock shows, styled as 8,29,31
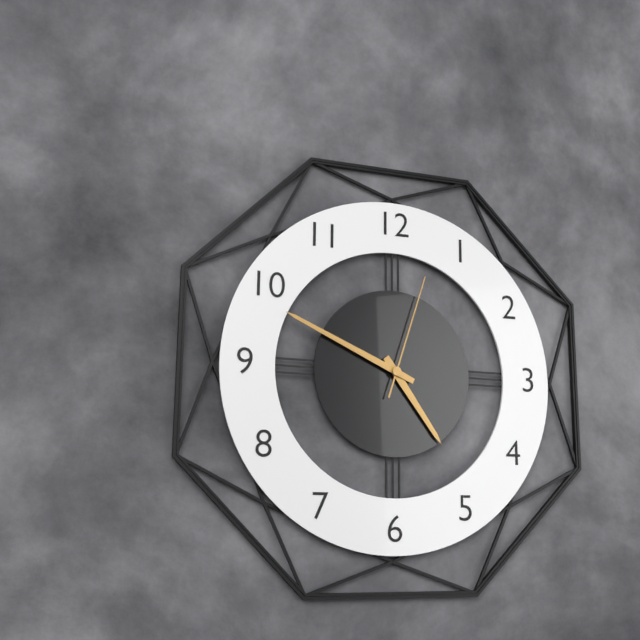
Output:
4,49,03
